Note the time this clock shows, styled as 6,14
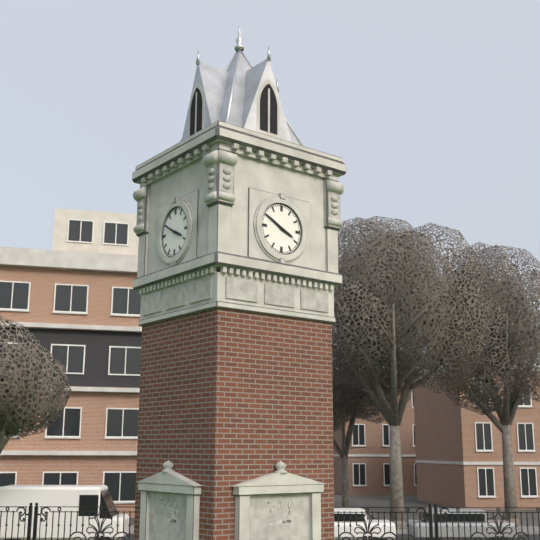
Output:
3,50
